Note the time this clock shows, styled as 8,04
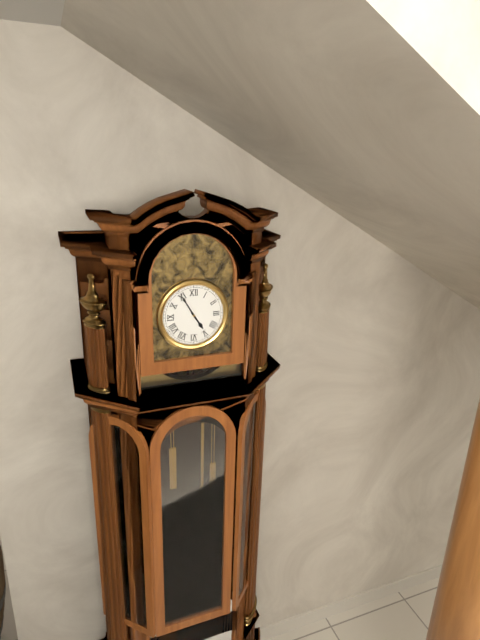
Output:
4,55
